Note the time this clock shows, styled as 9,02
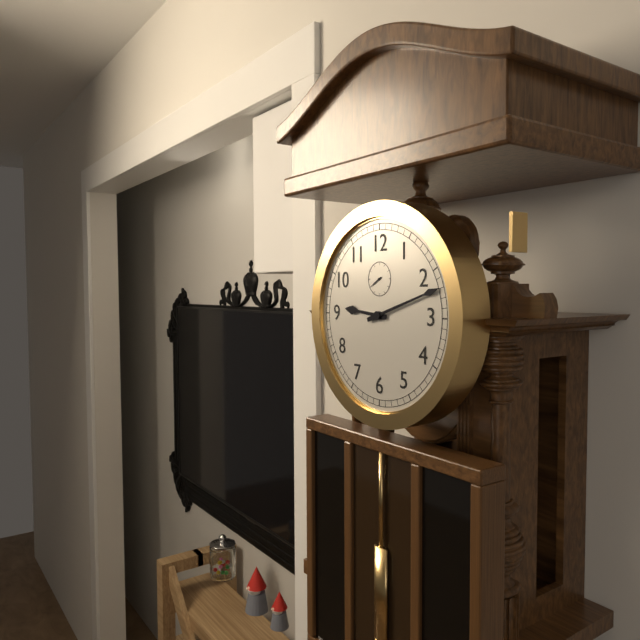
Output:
9,12
